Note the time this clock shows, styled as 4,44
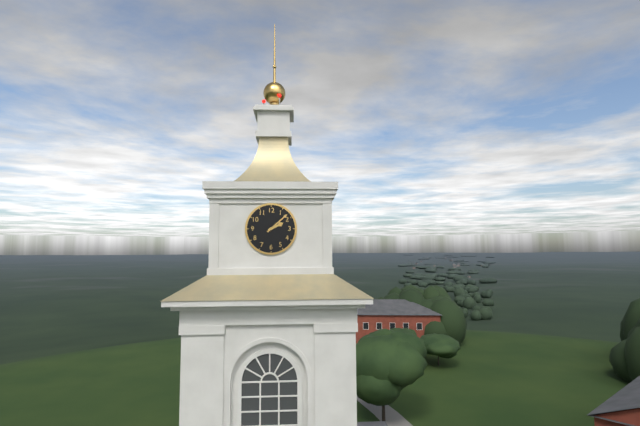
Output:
2,08
